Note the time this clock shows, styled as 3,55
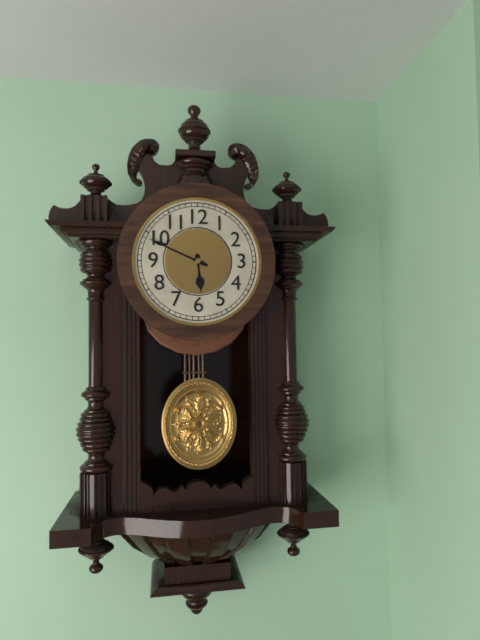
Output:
5,49
